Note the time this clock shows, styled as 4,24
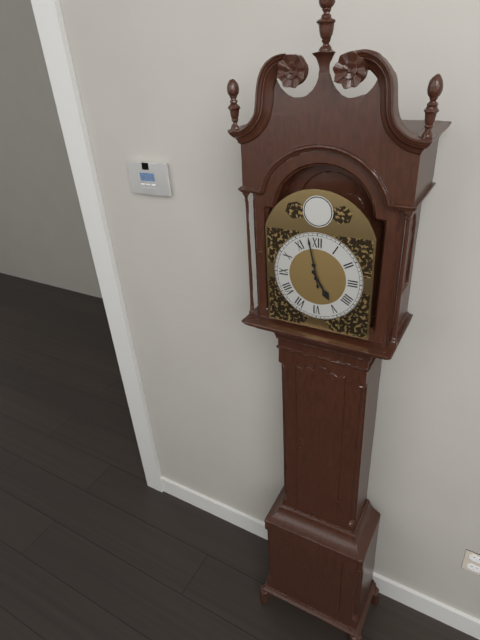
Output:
4,58
